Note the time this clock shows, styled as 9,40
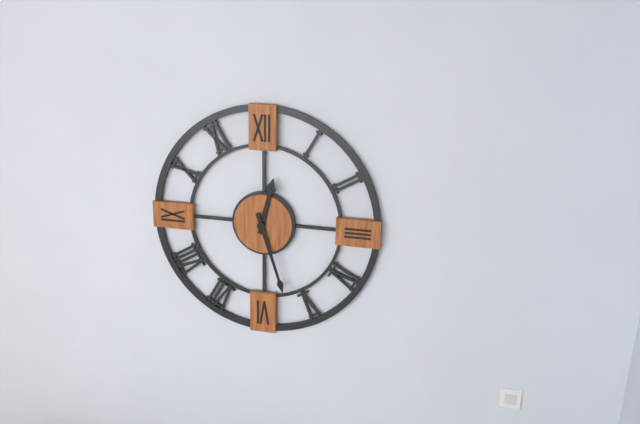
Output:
12,27
